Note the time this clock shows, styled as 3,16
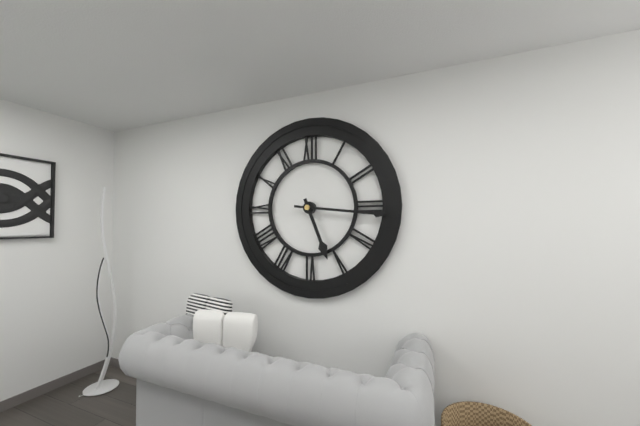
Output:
5,16
